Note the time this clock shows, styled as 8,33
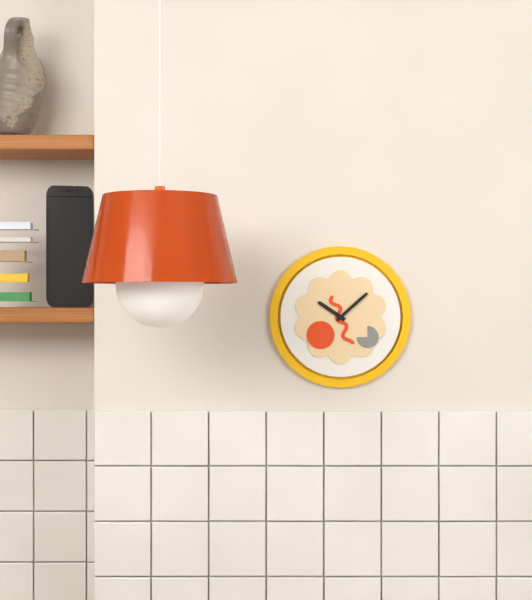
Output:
10,08
